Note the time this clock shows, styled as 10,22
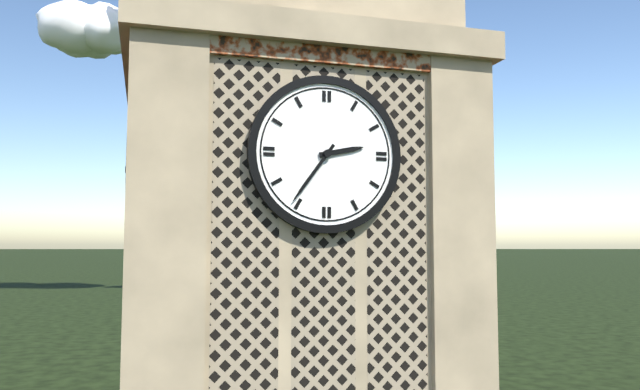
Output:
2,36
